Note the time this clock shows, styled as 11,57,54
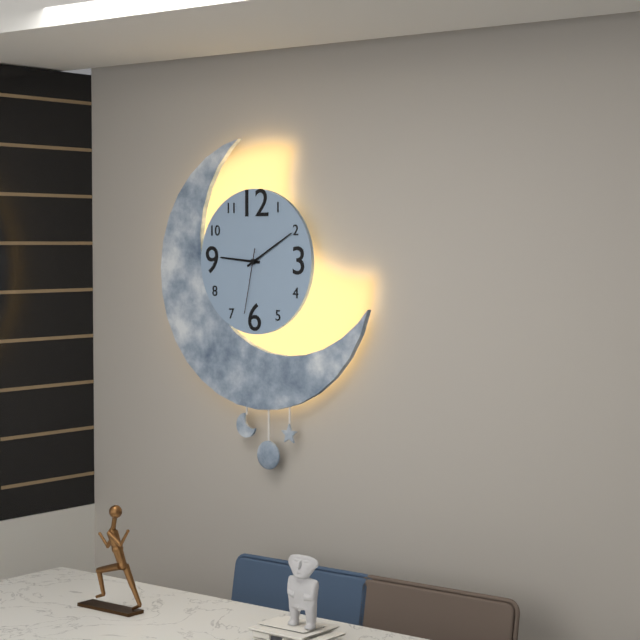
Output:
9,10,32
